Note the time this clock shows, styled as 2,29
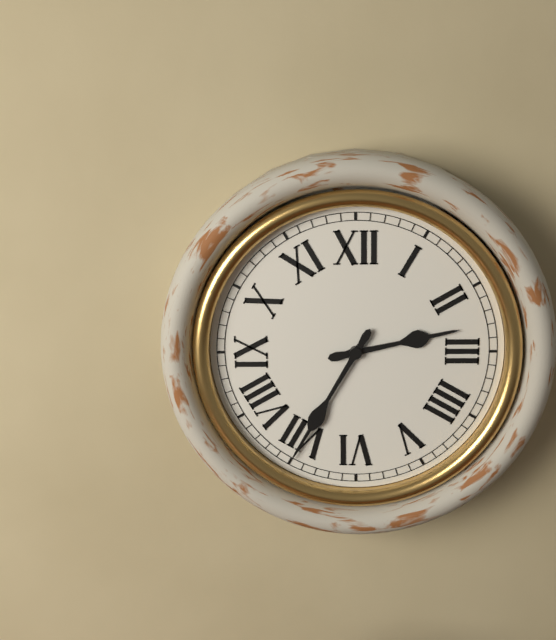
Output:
2,35
